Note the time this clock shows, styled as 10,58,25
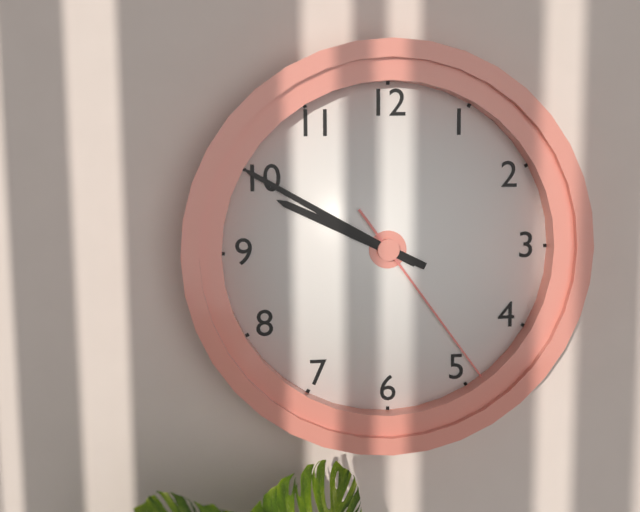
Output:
9,50,24
